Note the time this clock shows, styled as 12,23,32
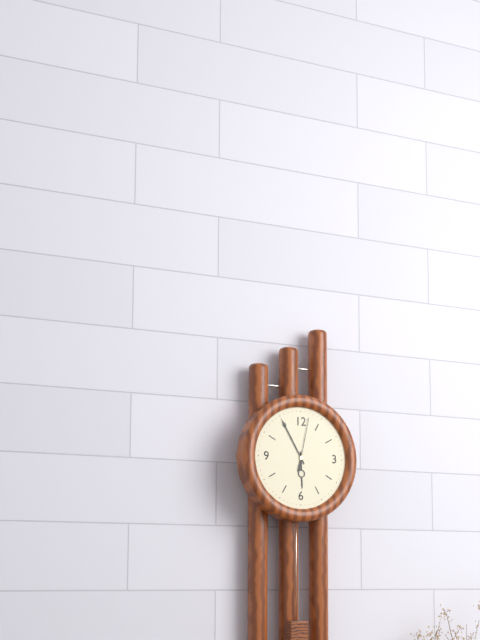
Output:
5,55,02
